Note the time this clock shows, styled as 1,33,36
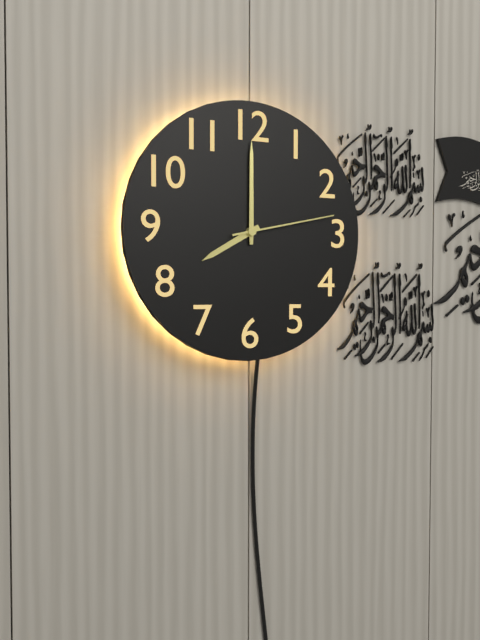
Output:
8,00,13
